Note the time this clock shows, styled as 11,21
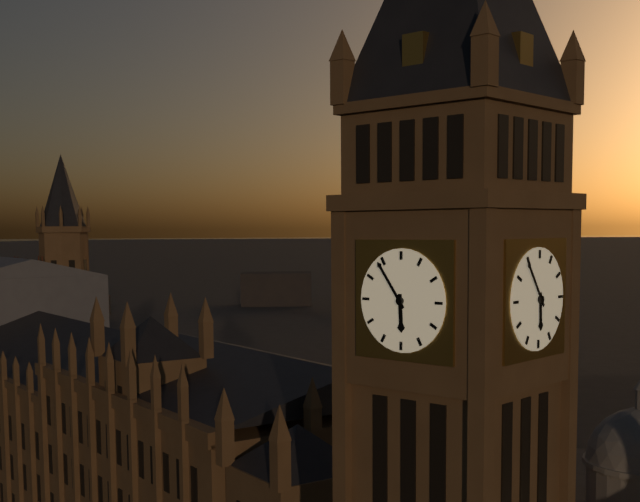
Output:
5,54
